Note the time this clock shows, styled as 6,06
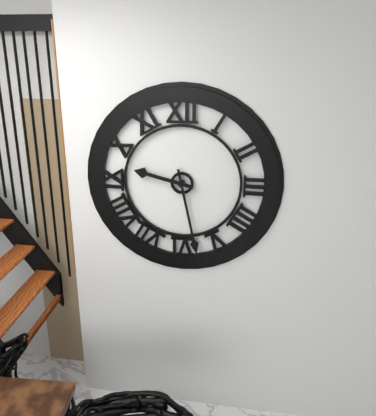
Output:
9,28
